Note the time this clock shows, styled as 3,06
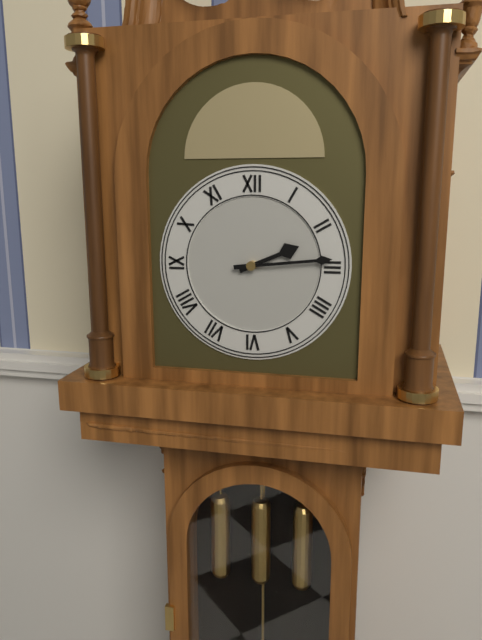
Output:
2,14
